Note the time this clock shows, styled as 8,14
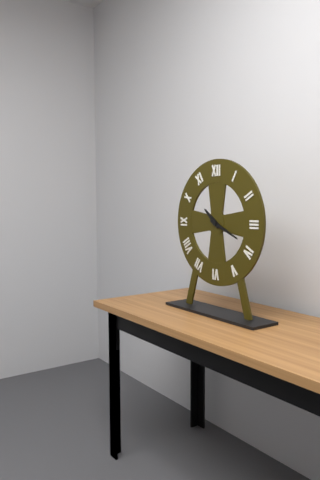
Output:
10,19
